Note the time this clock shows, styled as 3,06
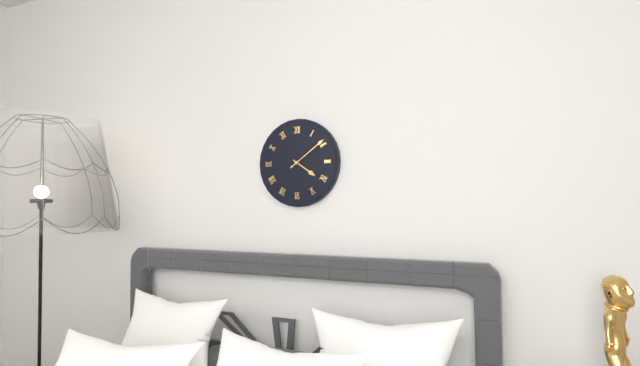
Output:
4,09
